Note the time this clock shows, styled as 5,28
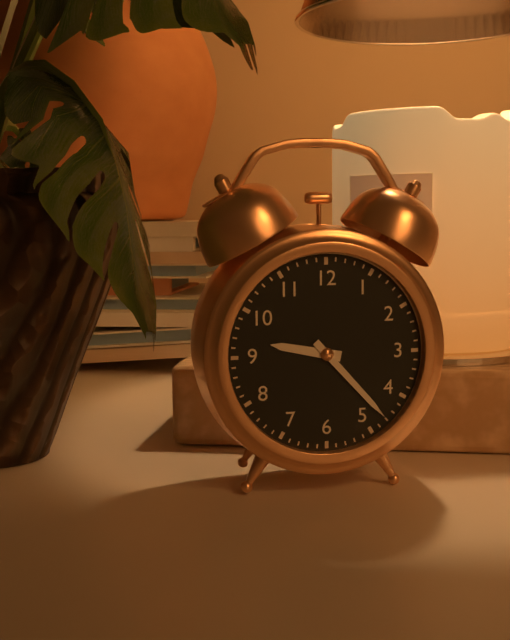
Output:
9,23
